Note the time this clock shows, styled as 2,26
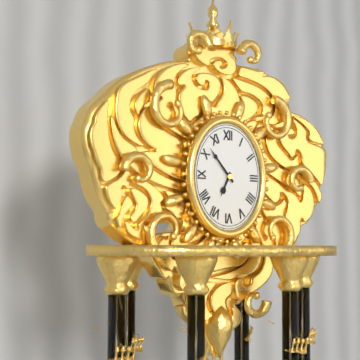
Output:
6,53
